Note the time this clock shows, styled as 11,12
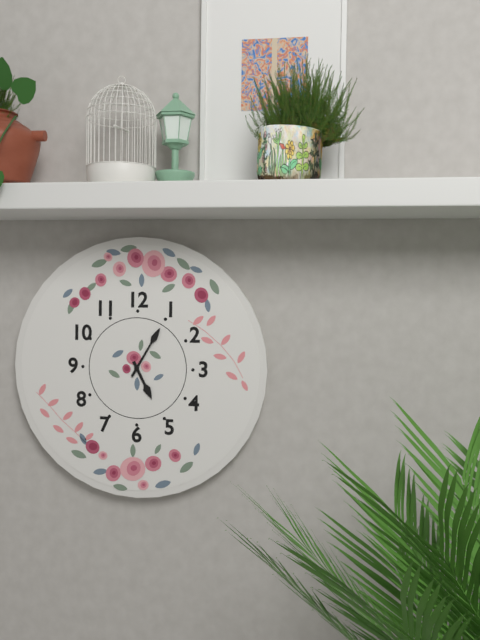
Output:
5,05
